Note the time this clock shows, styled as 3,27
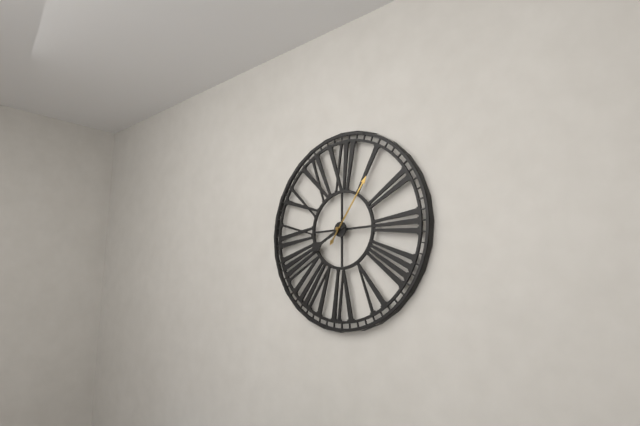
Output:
8,06
